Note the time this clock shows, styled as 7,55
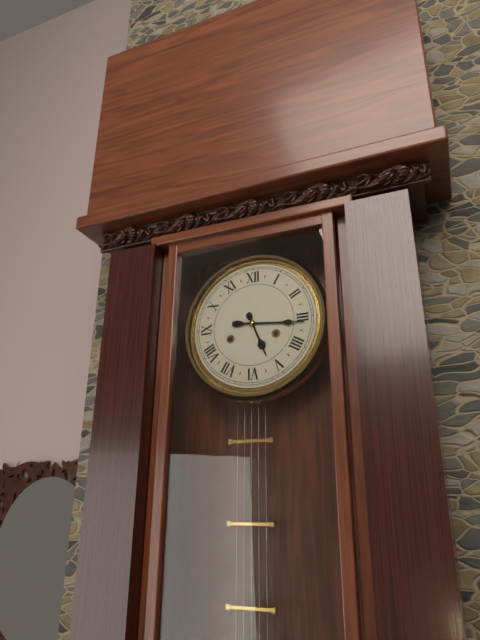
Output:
5,16
